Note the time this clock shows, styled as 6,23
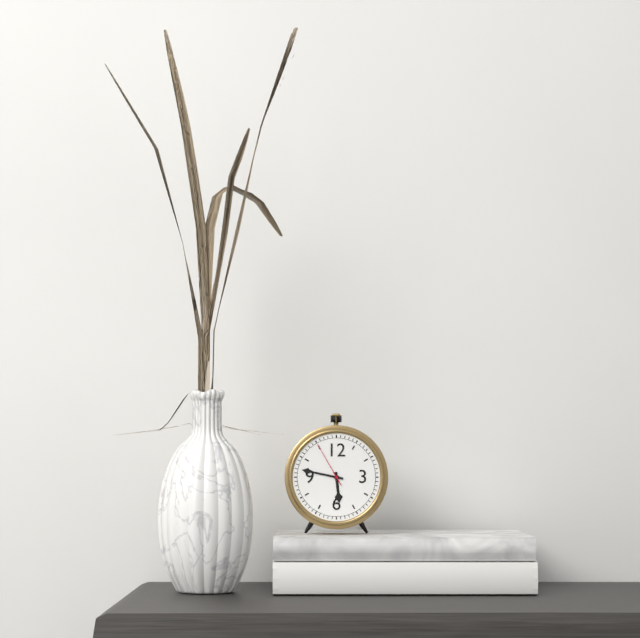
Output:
5,47
